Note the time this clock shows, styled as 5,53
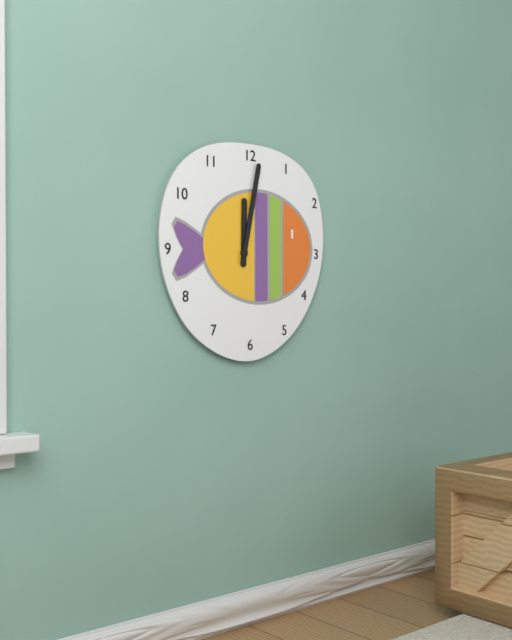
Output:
12,02
